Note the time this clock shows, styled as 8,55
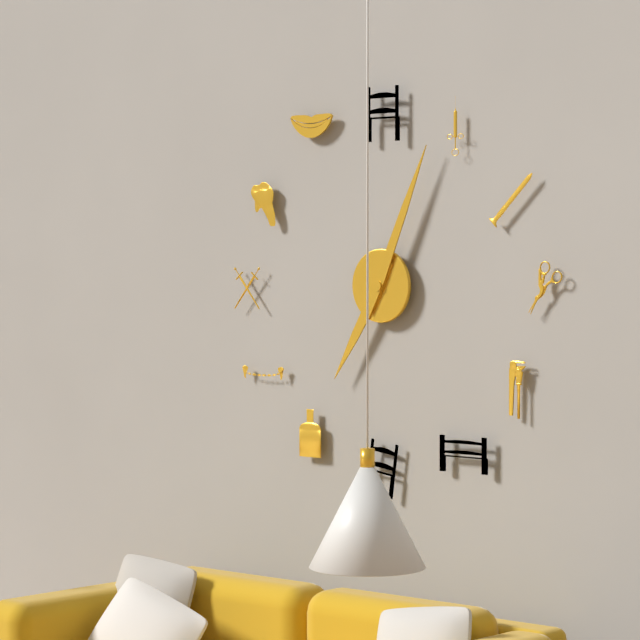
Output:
7,04
